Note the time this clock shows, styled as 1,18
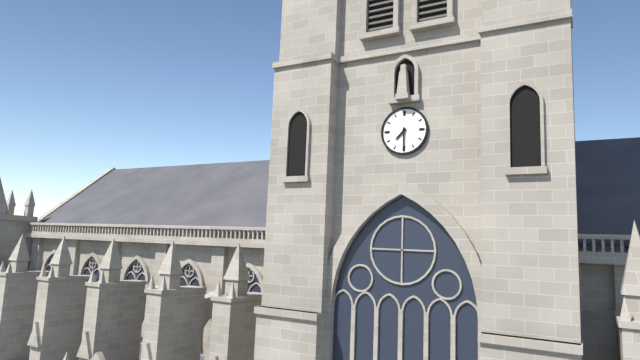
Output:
7,30
